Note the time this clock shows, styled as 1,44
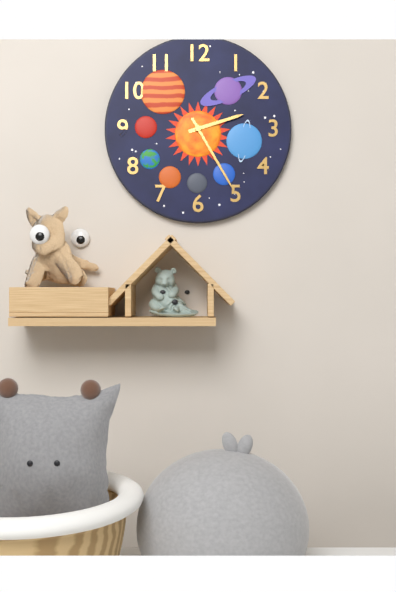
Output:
2,25
